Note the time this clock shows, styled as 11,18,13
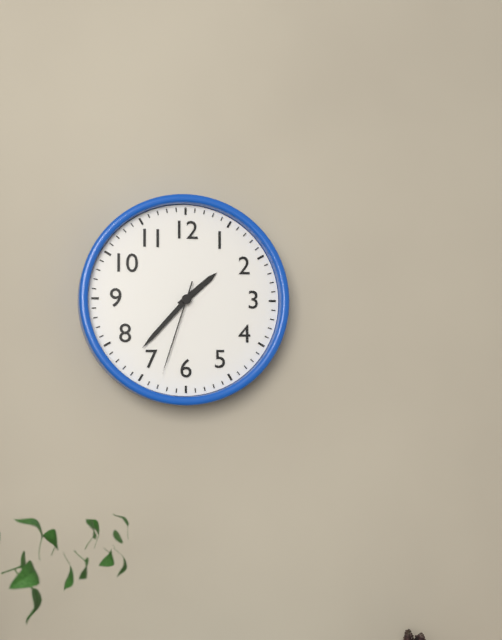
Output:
1,37,33
